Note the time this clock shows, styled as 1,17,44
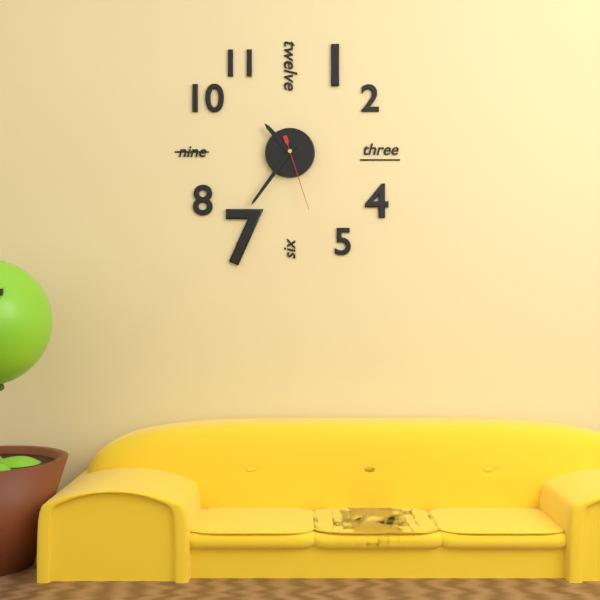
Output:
10,36,27
